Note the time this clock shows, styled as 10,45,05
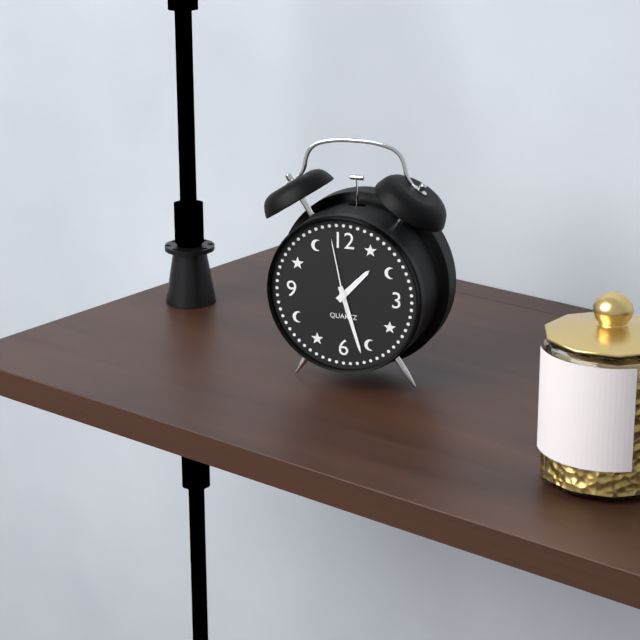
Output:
1,27,58
